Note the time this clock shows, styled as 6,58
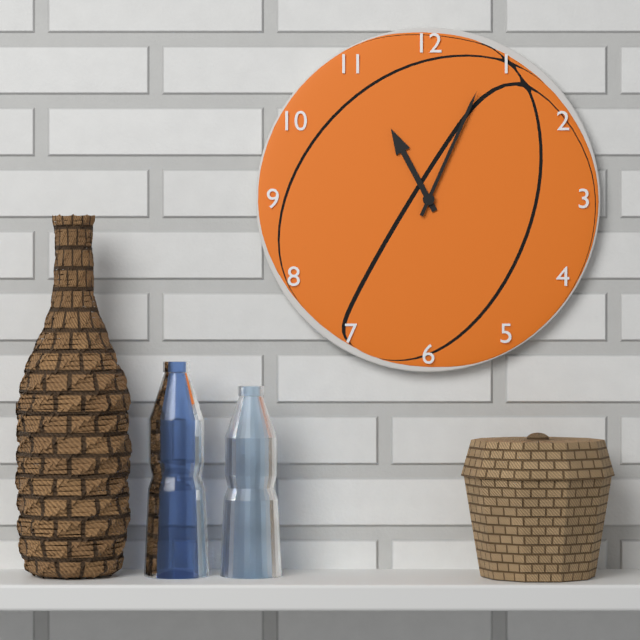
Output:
11,04
